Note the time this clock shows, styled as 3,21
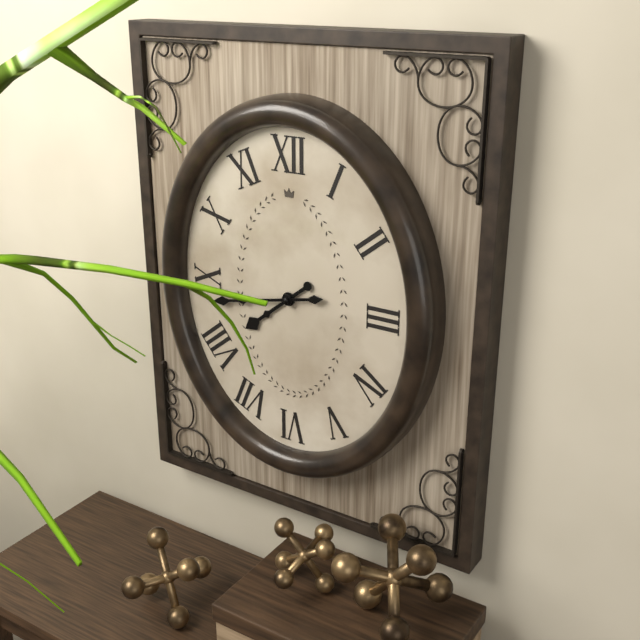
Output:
7,43
